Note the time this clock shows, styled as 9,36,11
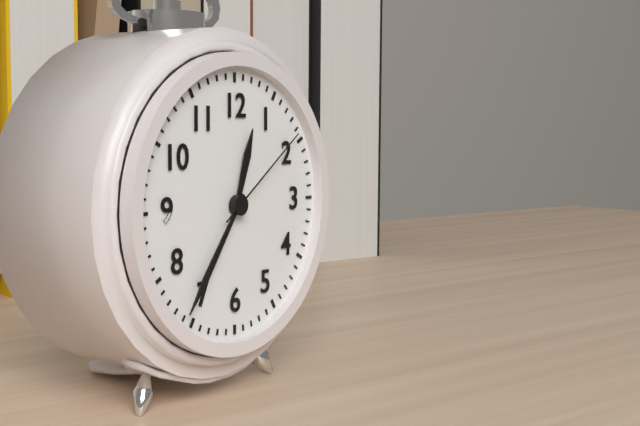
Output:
12,36,09
